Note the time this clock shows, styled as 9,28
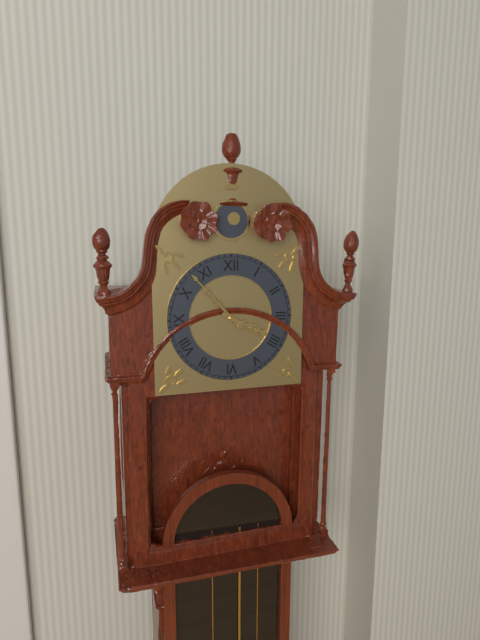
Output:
3,53
